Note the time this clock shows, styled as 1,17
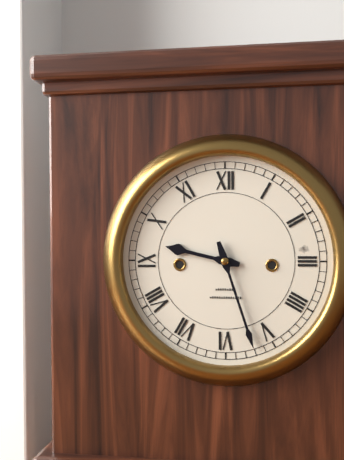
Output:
9,27
